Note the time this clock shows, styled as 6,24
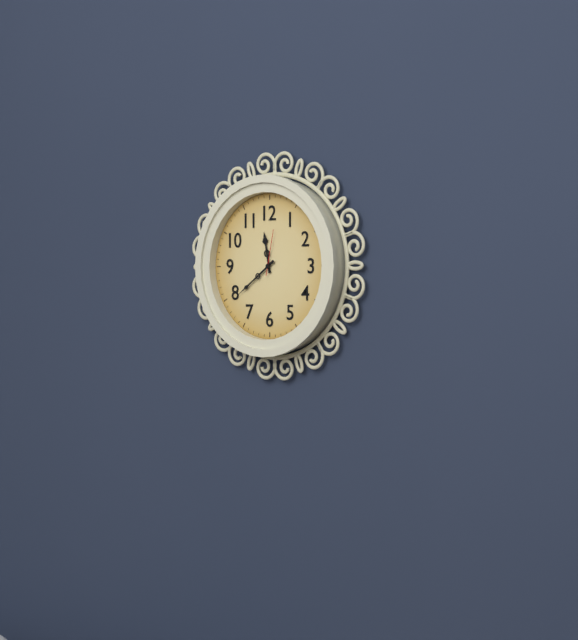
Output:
11,39
